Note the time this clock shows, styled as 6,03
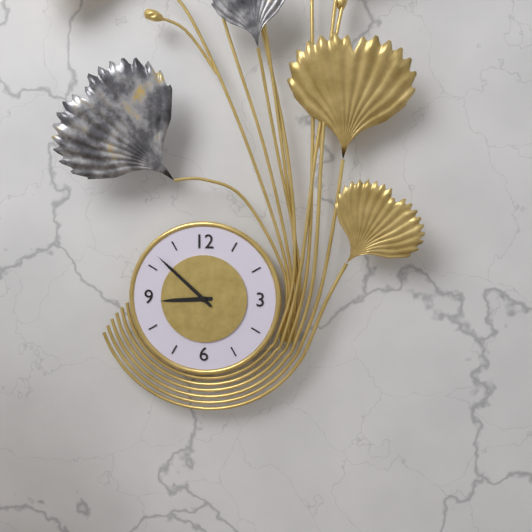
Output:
8,52
